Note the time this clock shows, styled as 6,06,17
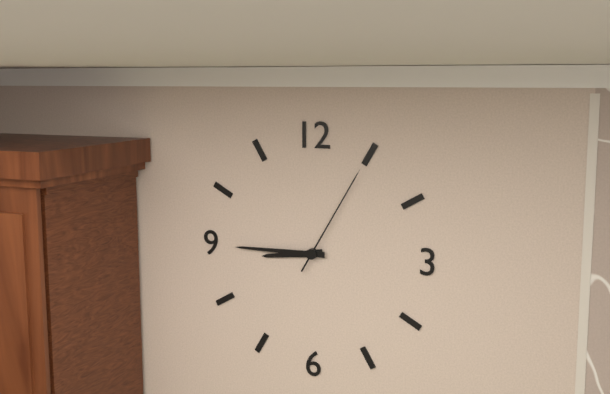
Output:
8,45,05
